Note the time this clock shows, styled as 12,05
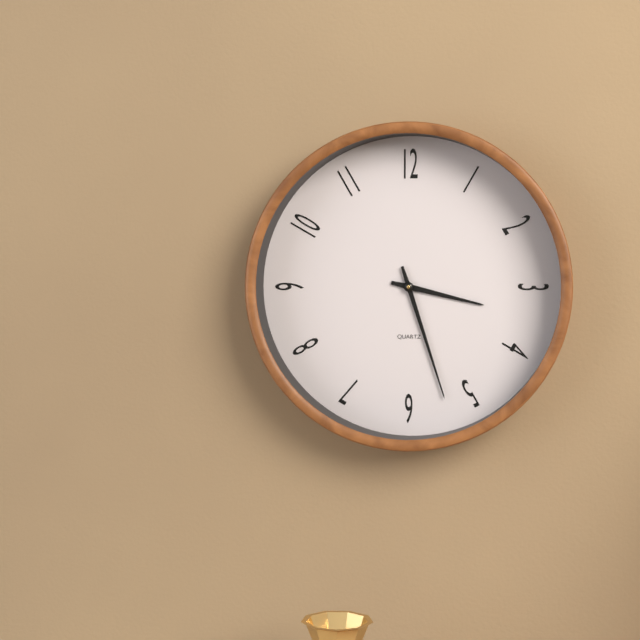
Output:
3,27
